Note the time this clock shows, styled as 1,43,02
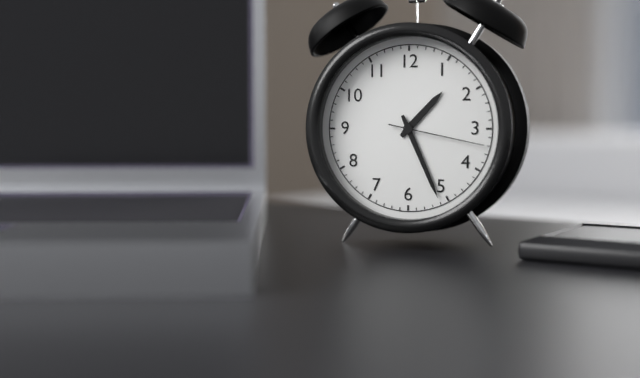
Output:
1,26,17
